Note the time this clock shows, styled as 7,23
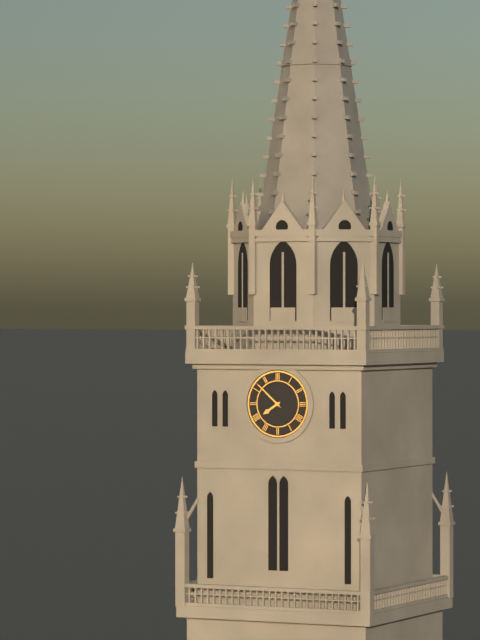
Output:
7,52
